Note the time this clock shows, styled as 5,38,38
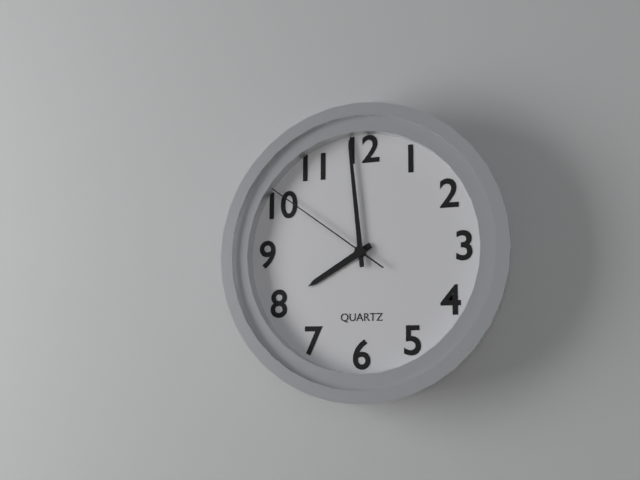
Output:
7,59,51
